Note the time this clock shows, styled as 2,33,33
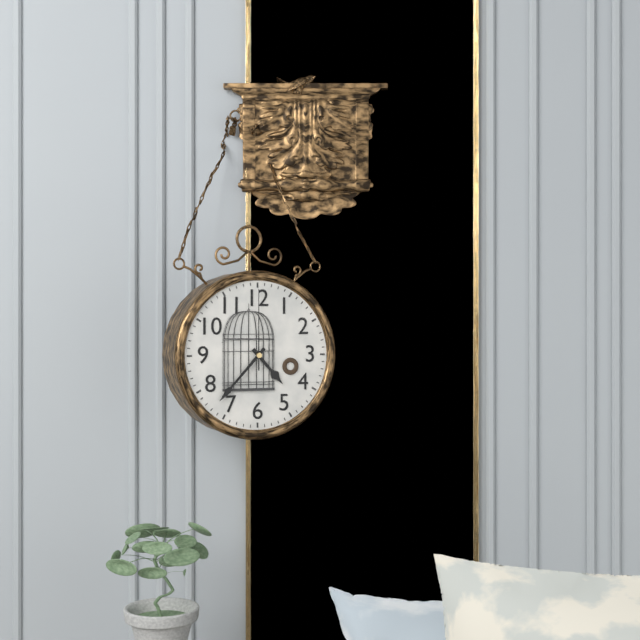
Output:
4,37,00
